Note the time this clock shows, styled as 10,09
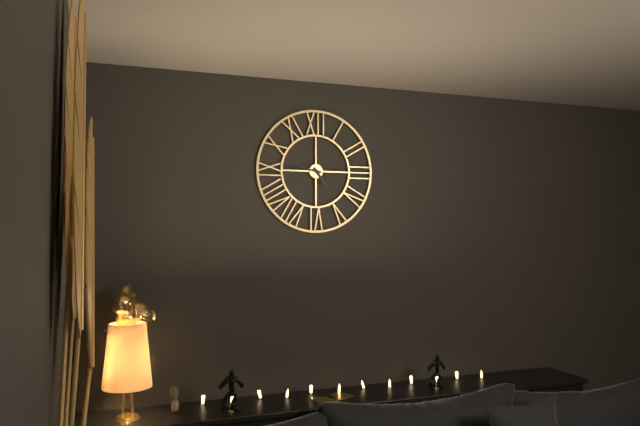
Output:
4,47
